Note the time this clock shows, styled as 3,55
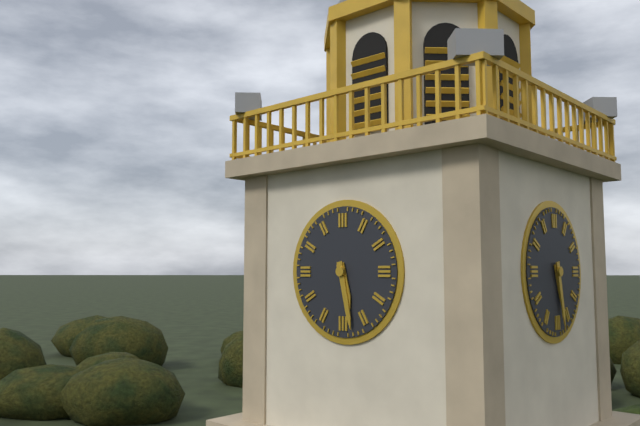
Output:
5,28
